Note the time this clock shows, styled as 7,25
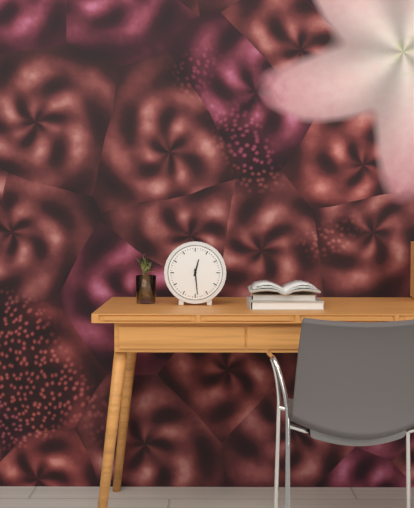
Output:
12,29
